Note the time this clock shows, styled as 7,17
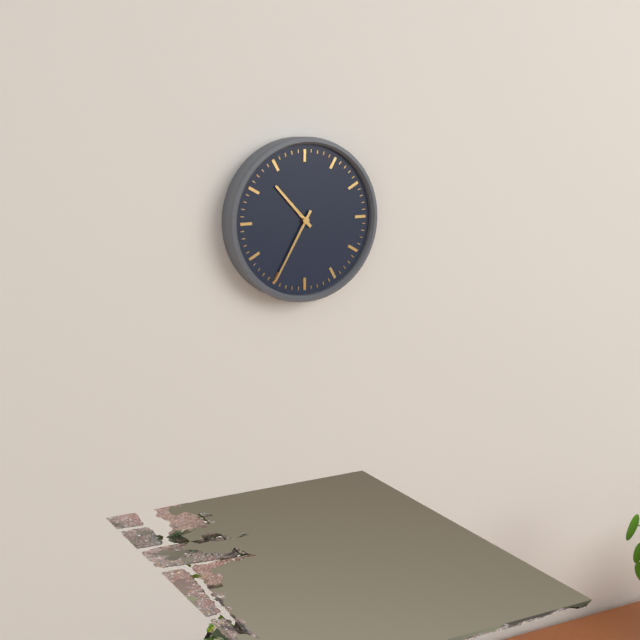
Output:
10,35
